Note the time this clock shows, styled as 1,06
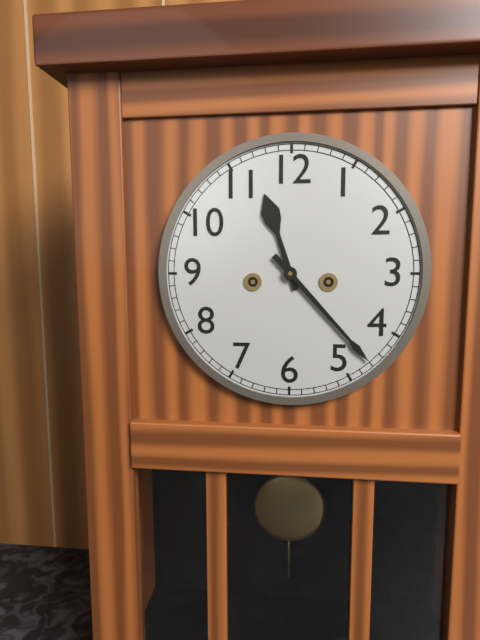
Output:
11,23
